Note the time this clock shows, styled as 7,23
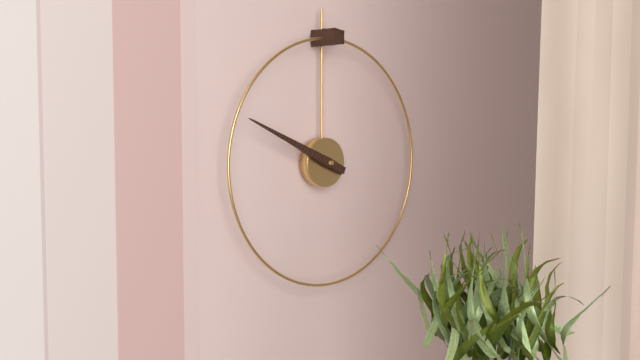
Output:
9,49
